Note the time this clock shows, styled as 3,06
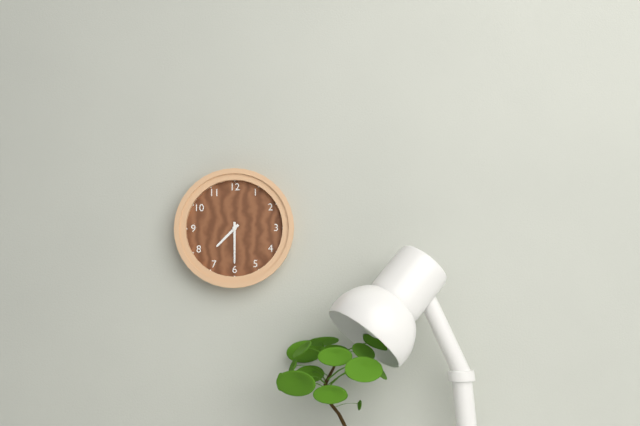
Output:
7,30
